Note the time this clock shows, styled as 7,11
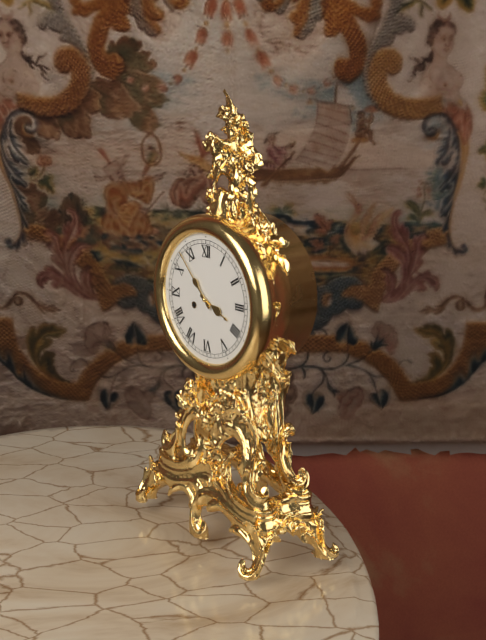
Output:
3,53
